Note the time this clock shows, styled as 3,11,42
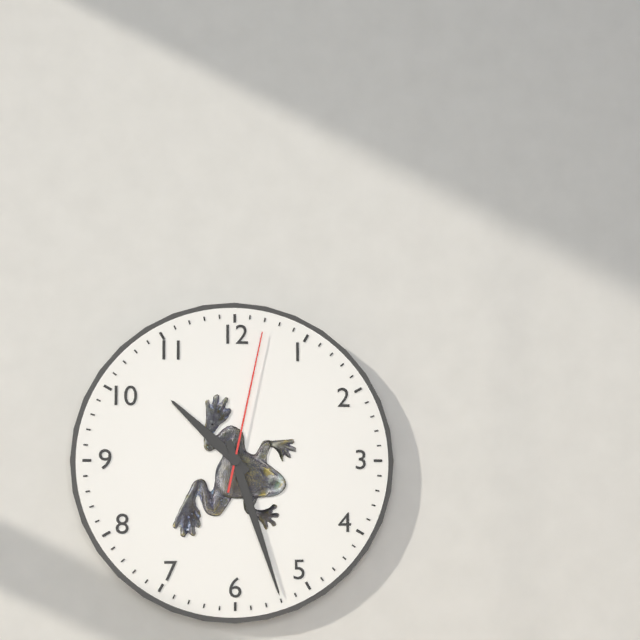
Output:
10,27,02
